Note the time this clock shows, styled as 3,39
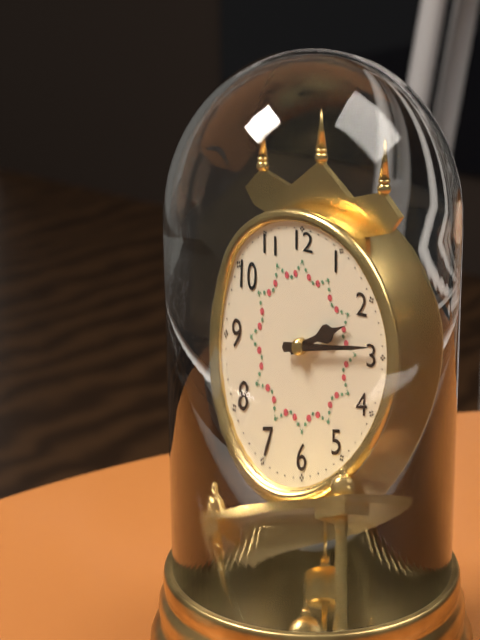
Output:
2,14
